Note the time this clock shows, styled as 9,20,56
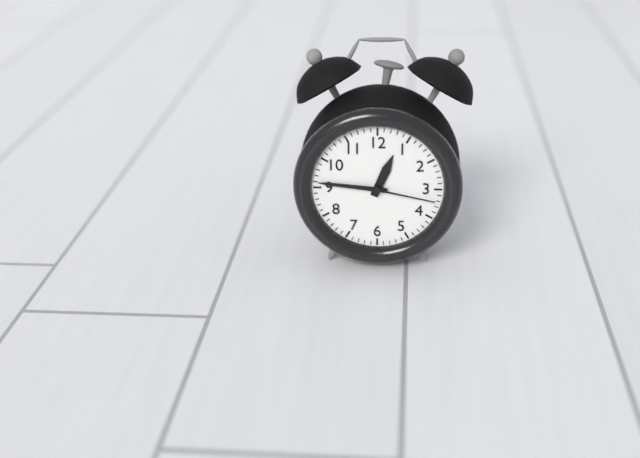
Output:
12,46,17
